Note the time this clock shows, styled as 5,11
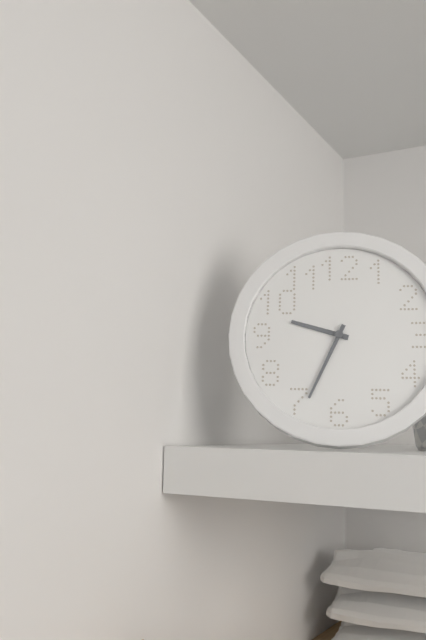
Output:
9,34
